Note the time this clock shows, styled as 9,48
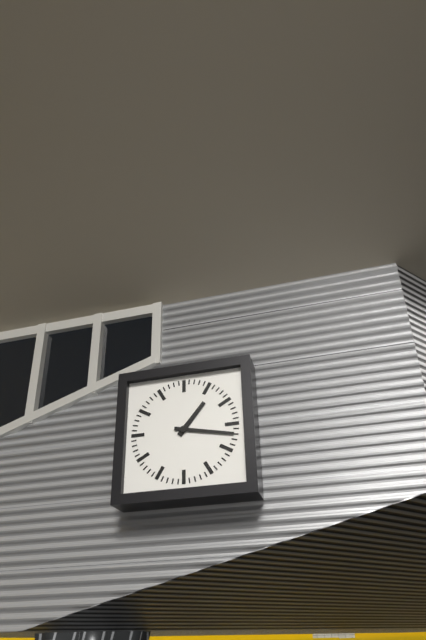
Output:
1,17
